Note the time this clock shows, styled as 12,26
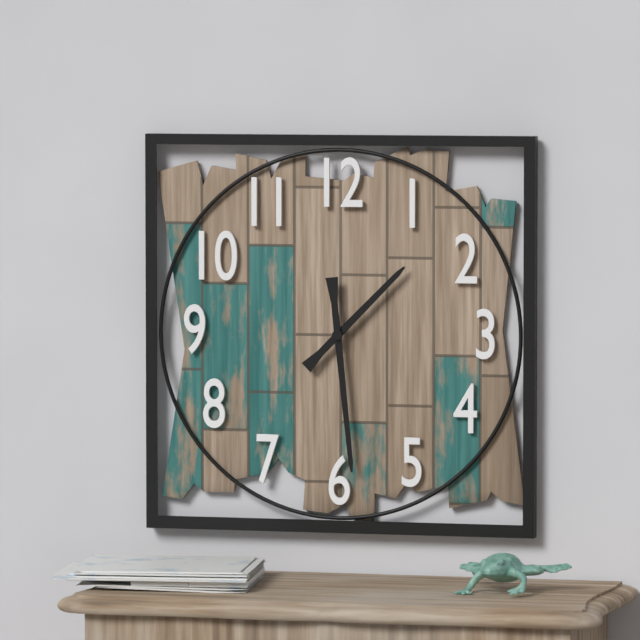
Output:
1,29
